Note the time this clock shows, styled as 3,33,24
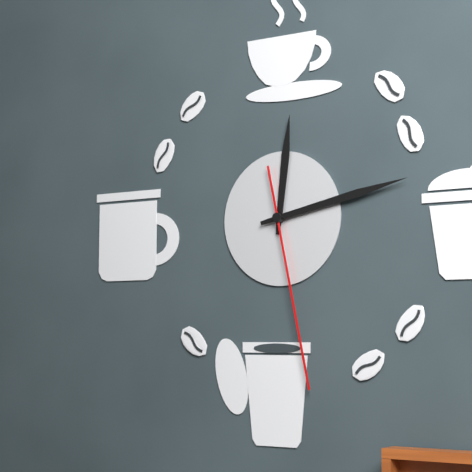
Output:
12,13,28
